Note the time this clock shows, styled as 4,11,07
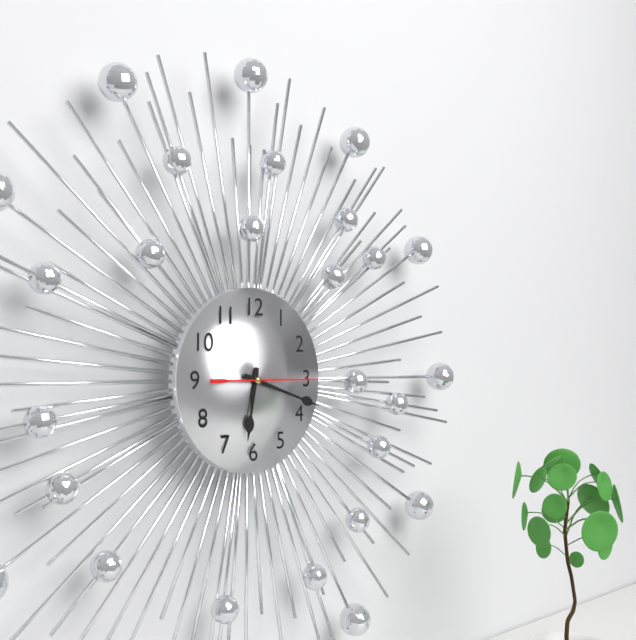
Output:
6,18,15
